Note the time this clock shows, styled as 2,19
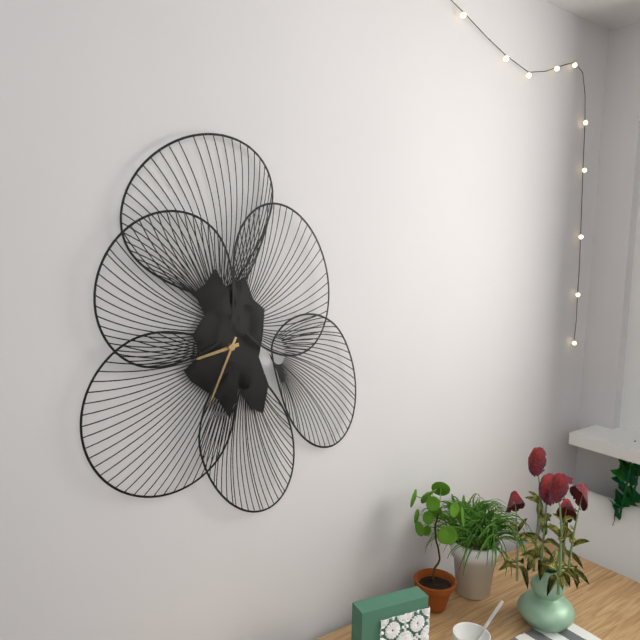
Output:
8,34
